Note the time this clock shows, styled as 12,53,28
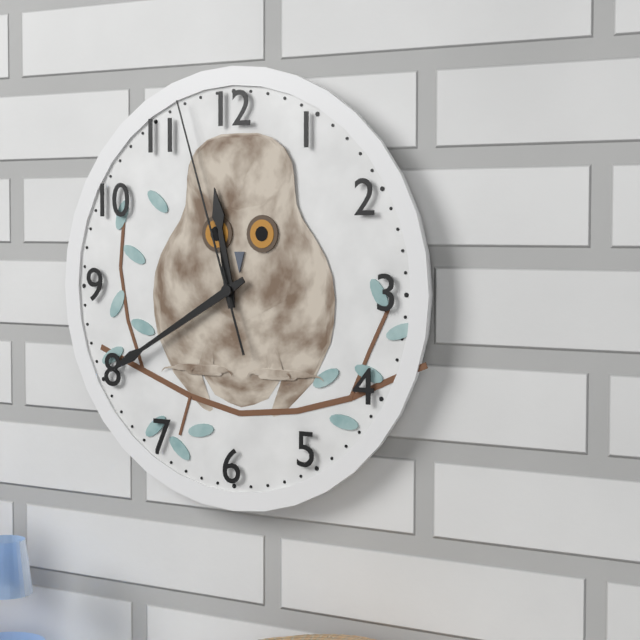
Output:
11,40,57
